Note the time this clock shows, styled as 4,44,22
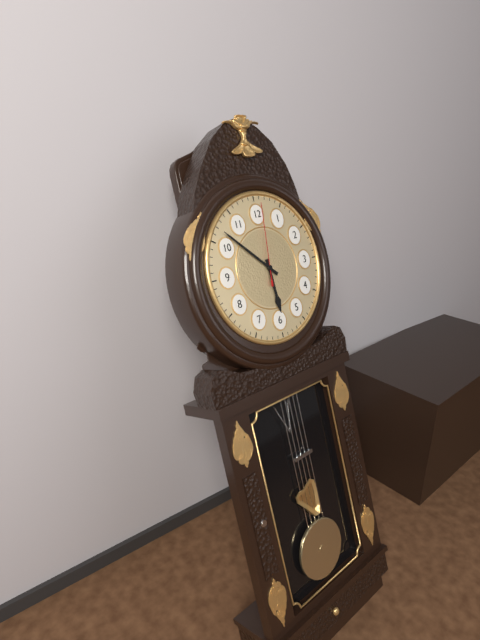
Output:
5,52,01
